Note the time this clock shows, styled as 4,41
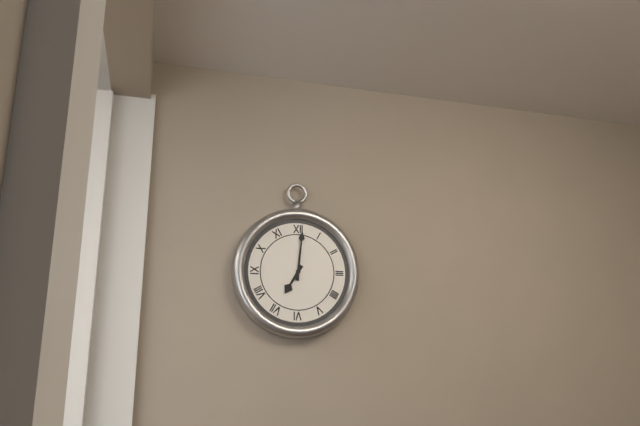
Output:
7,01
